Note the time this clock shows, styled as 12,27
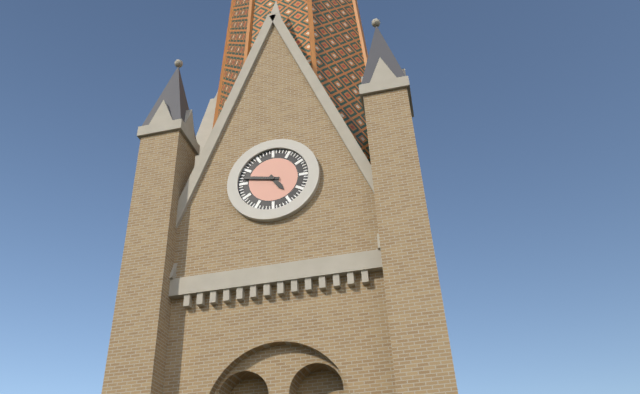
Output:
4,47
